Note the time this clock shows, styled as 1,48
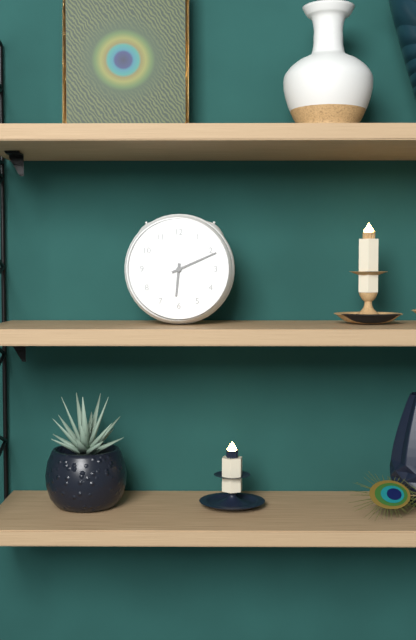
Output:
6,11
